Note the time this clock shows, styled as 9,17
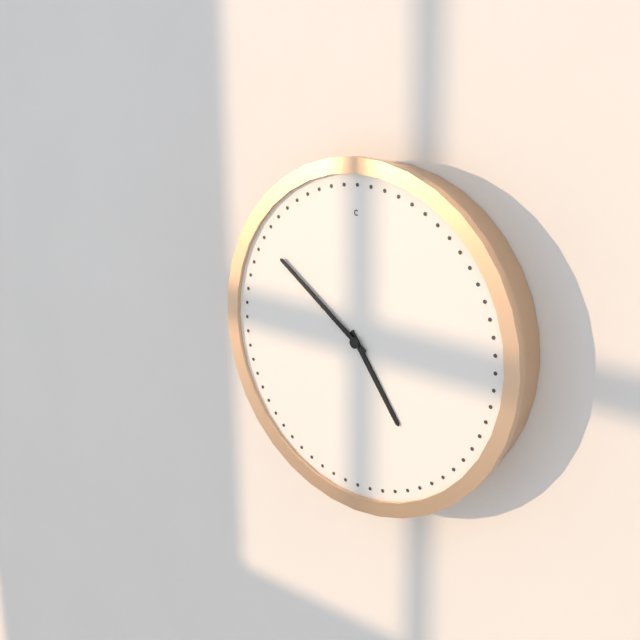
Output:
4,51
